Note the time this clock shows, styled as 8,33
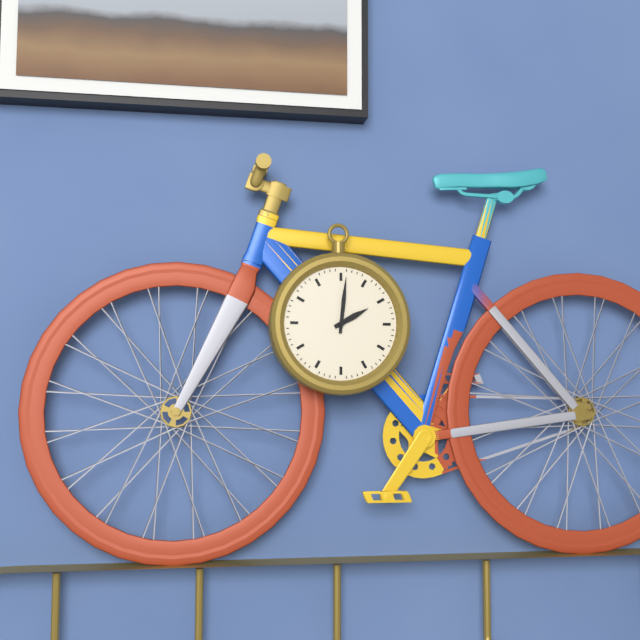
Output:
2,01
